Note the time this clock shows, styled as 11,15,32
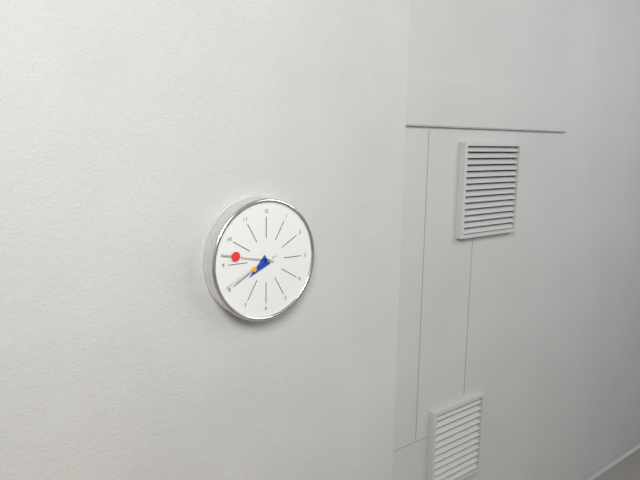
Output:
7,47,41
